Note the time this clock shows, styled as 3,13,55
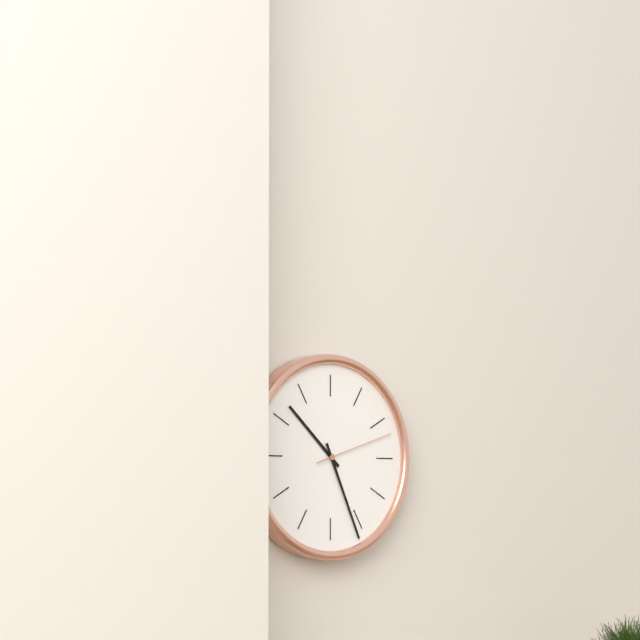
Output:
10,26,12
